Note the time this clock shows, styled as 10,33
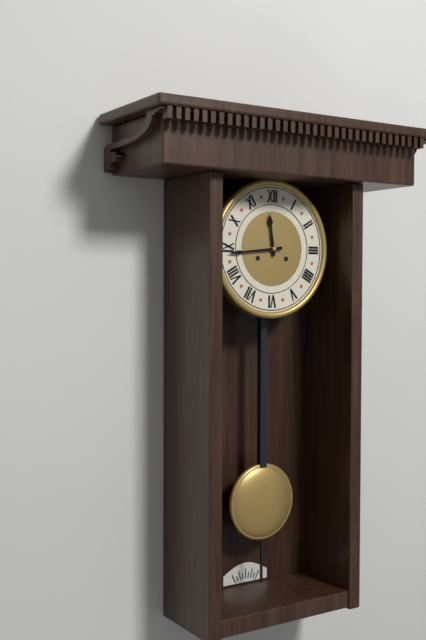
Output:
11,44
